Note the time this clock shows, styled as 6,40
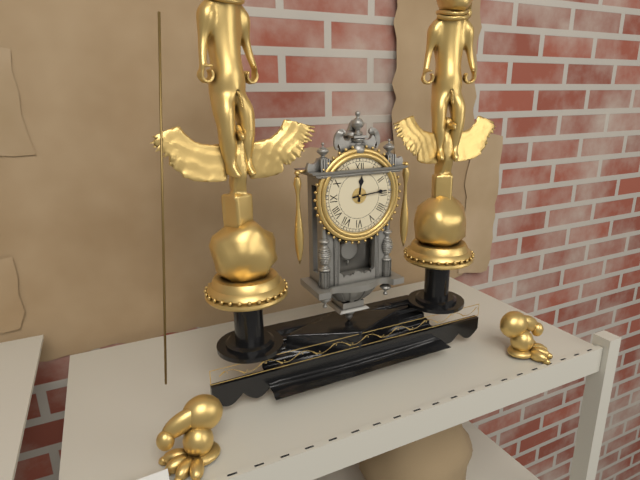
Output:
12,14
